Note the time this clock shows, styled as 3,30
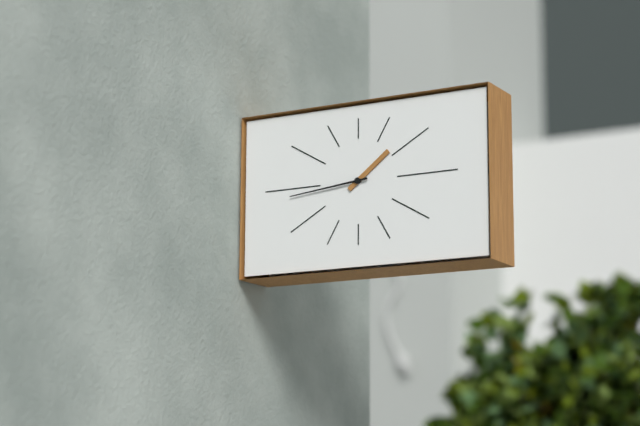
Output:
1,44
